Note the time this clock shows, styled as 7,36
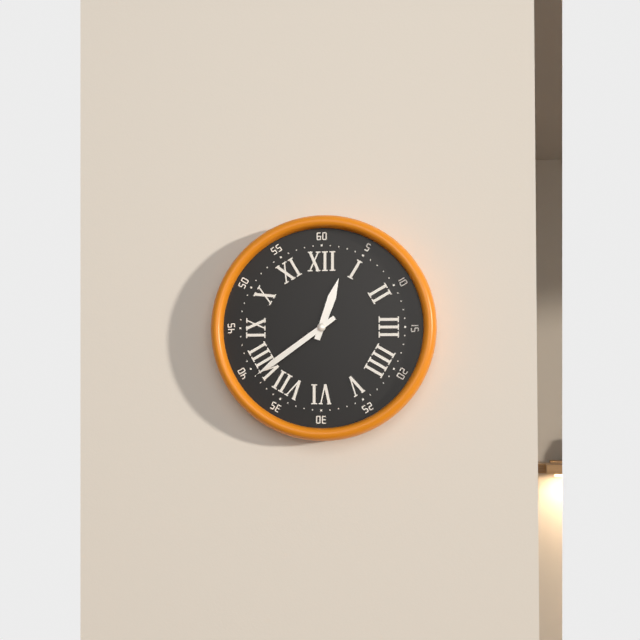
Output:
12,39
